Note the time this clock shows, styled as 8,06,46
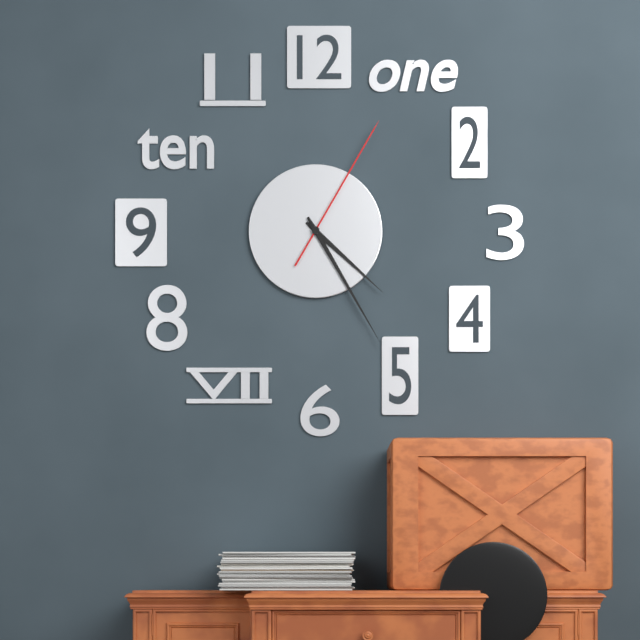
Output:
4,25,05
